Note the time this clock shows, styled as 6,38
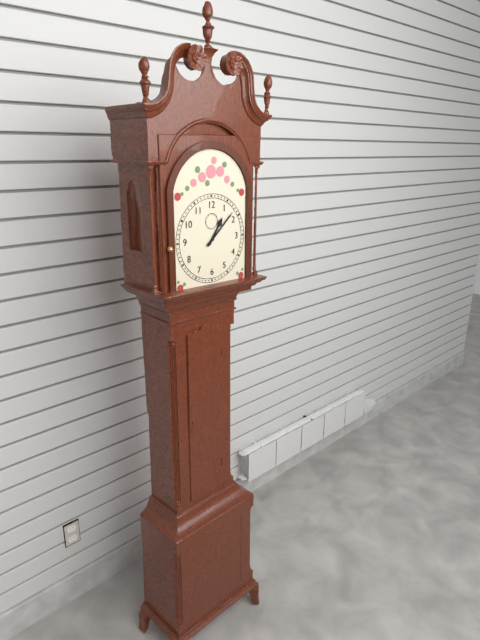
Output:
1,08
